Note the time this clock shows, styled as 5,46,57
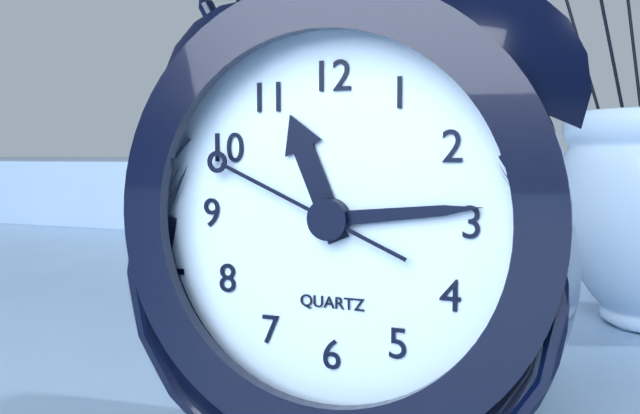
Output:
11,14,49
